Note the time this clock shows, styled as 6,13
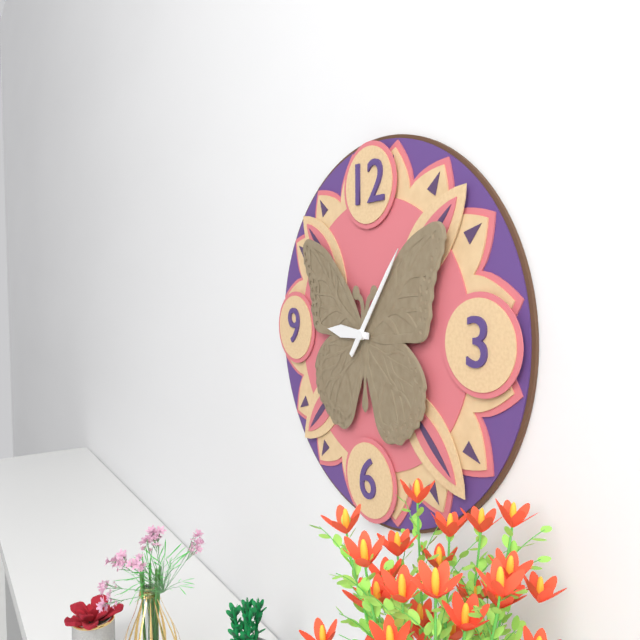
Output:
9,06
